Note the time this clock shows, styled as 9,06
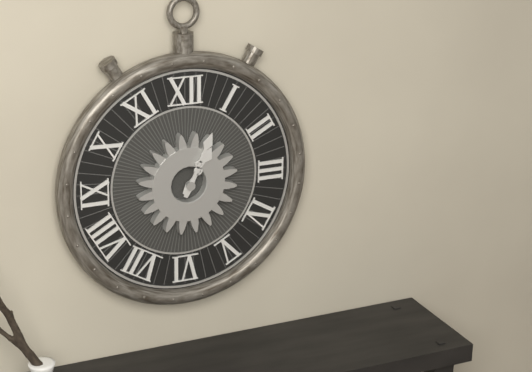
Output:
1,04
